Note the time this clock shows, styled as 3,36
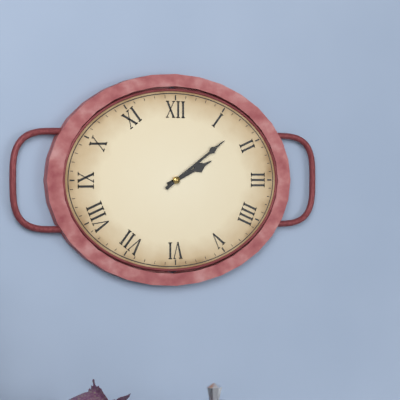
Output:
2,09
